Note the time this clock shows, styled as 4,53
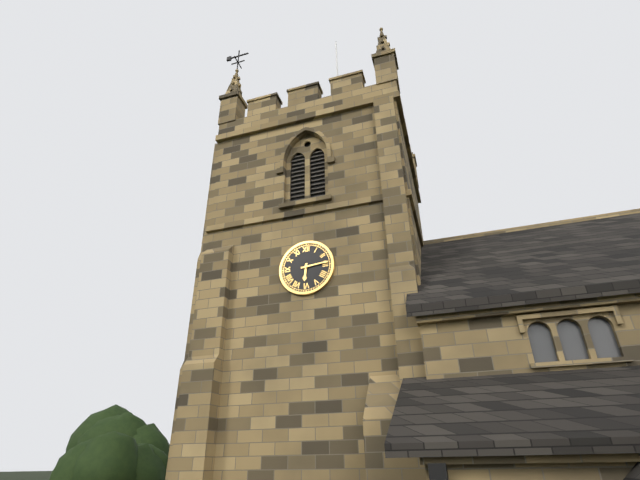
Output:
6,14
